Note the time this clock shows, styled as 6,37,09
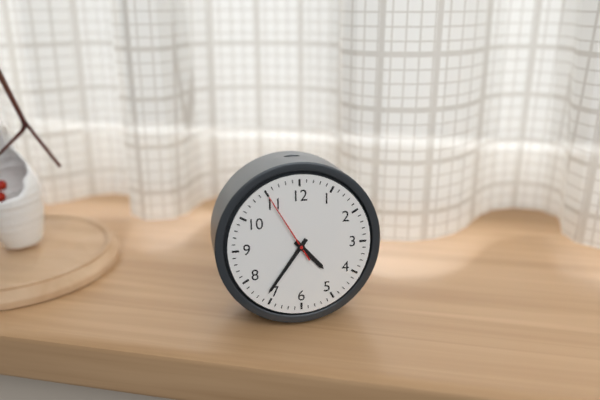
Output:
4,36,55
